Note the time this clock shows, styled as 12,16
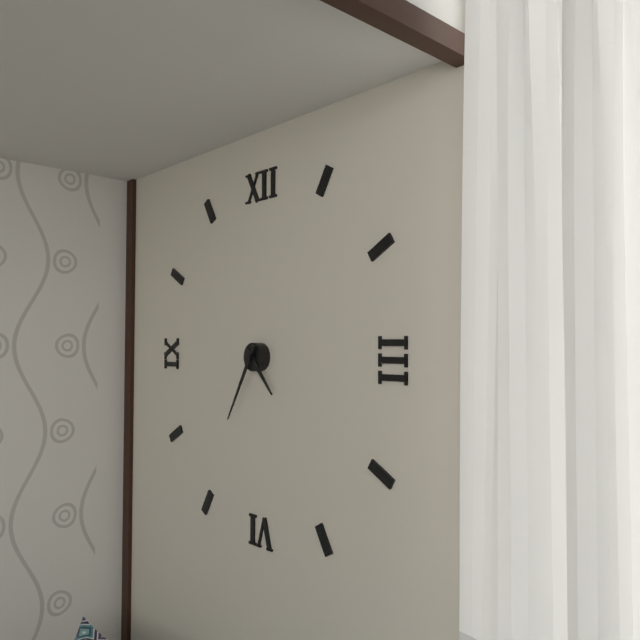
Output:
4,35
